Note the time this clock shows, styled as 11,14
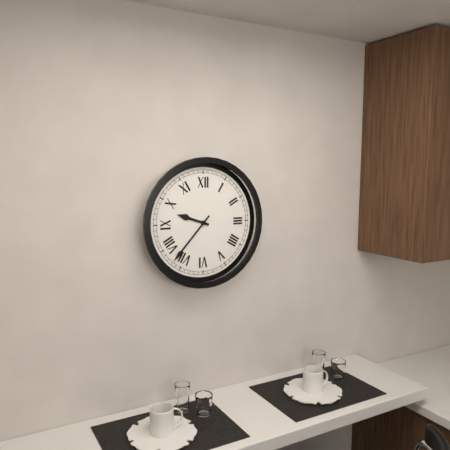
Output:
9,37
